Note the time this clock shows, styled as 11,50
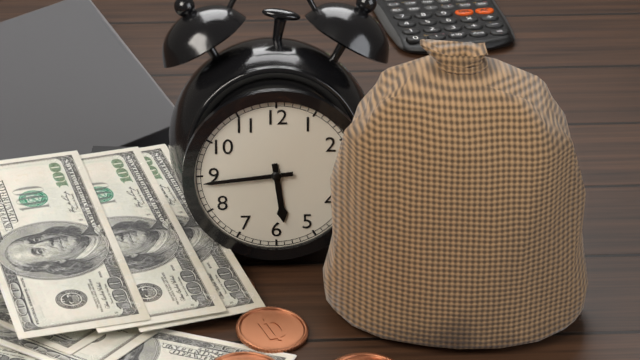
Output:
5,44
